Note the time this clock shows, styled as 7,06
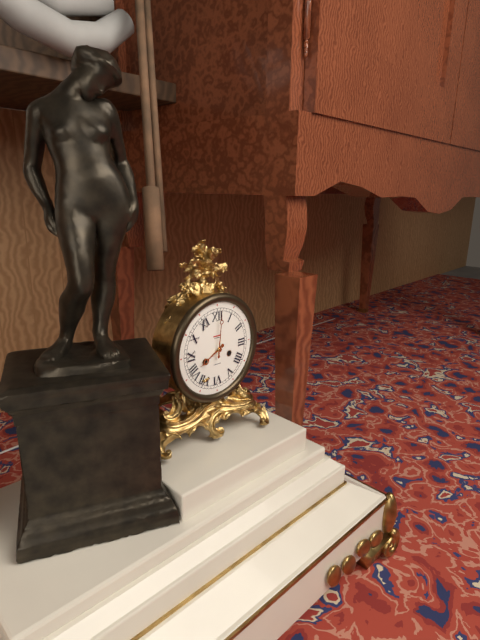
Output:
8,01
